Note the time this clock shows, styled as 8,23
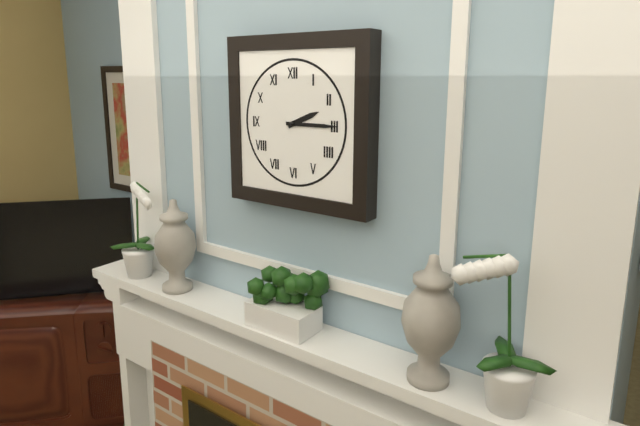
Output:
2,15
